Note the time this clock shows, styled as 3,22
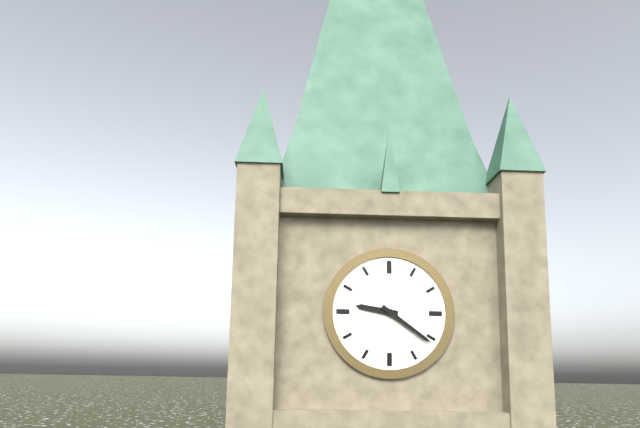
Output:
9,21
